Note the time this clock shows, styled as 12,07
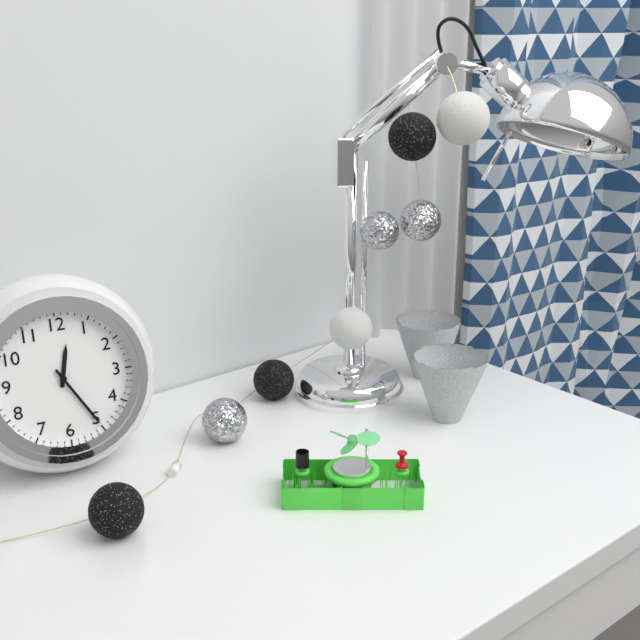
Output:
12,25
